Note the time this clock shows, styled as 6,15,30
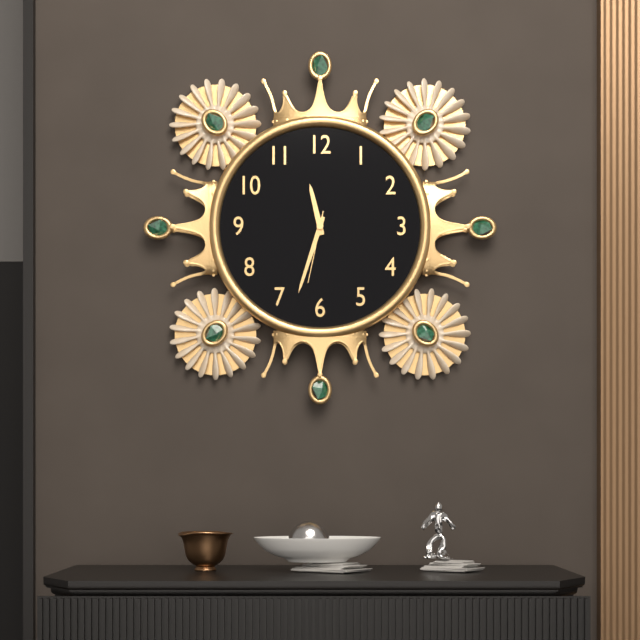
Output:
11,33,32
